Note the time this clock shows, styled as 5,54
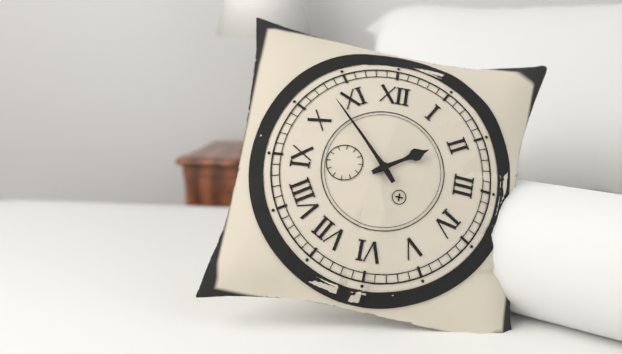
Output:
1,53
